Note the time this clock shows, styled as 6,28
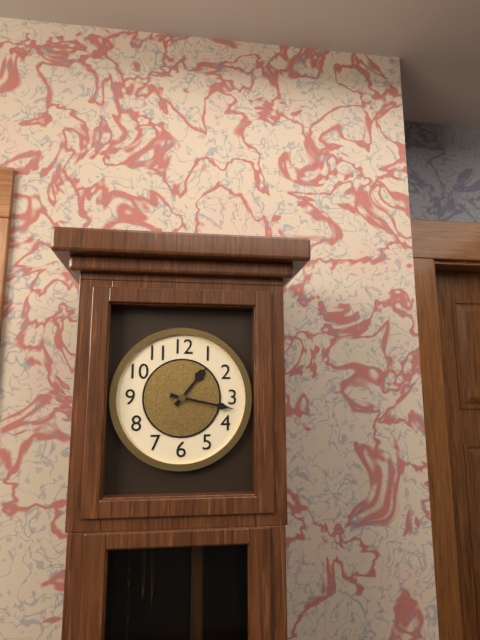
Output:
1,17
